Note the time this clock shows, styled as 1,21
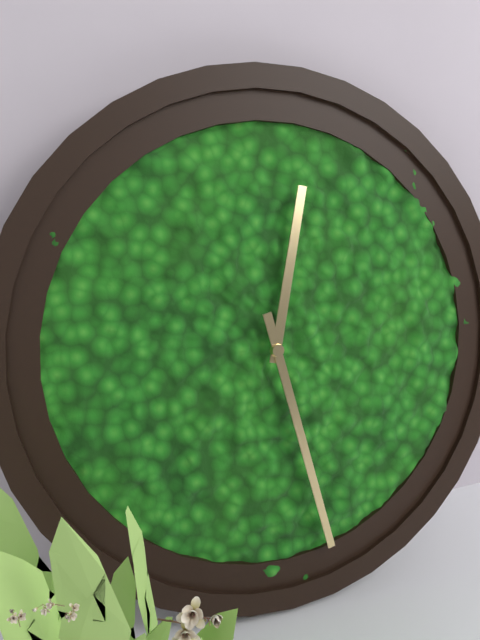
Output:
12,28
